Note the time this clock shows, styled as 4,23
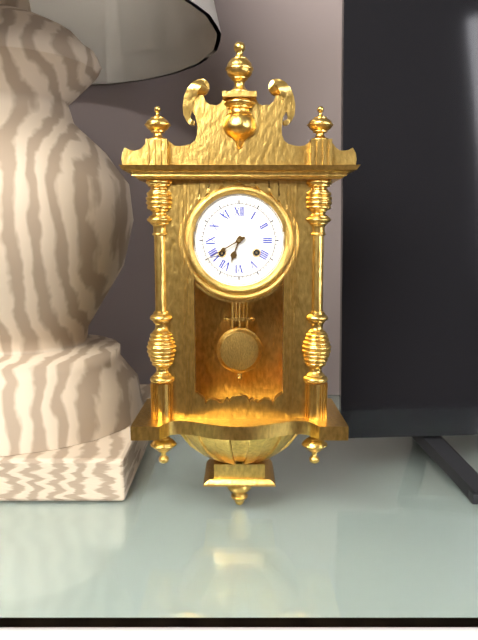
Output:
6,40
